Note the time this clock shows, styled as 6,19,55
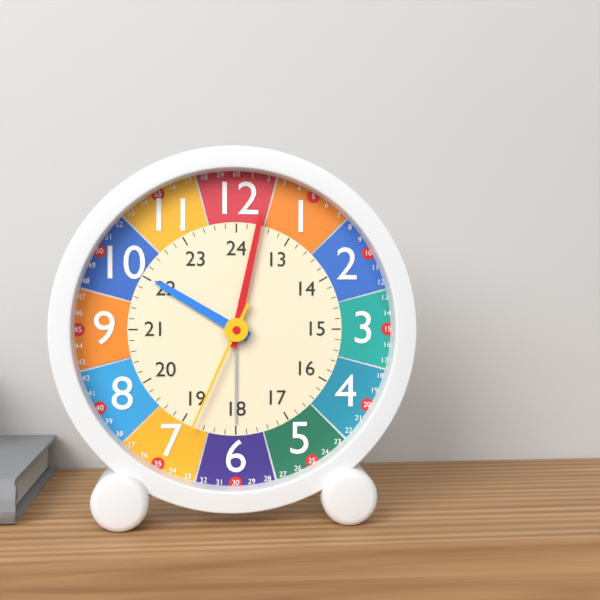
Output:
10,02,34
